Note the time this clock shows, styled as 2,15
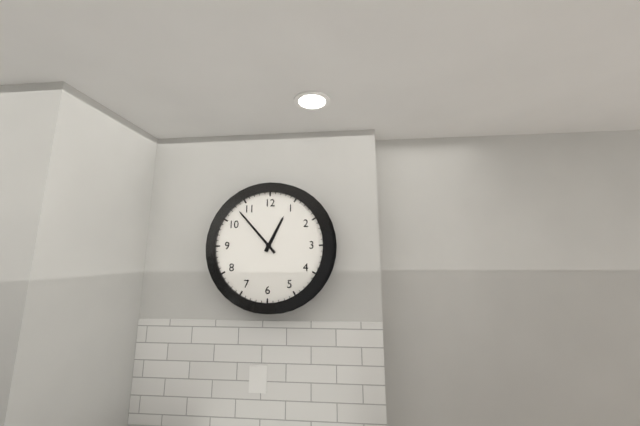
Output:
12,53
